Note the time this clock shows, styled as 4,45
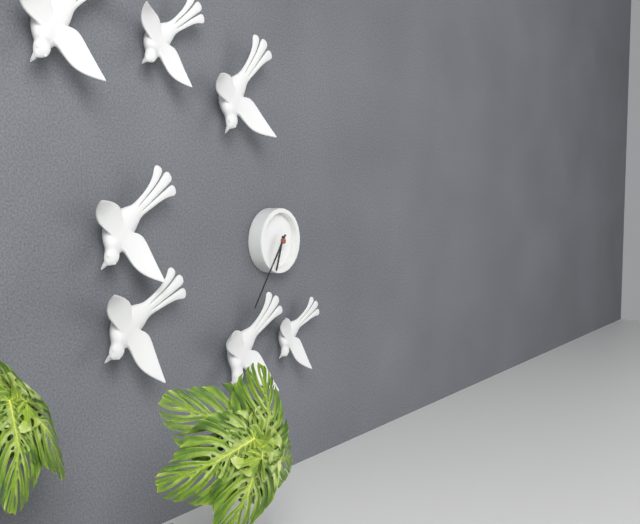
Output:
6,36
